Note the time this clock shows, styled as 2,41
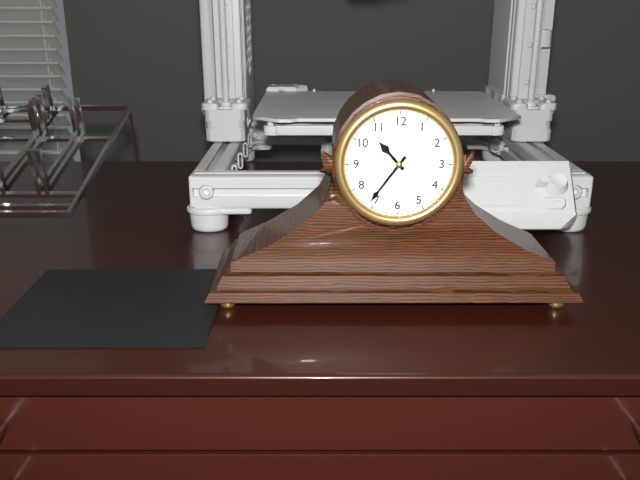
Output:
10,36
